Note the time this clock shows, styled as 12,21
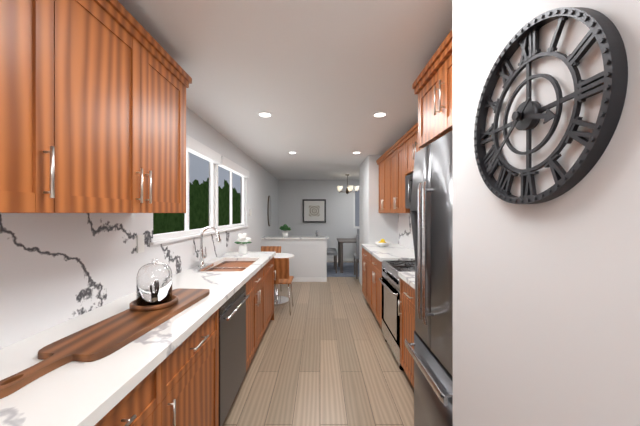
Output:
3,38
